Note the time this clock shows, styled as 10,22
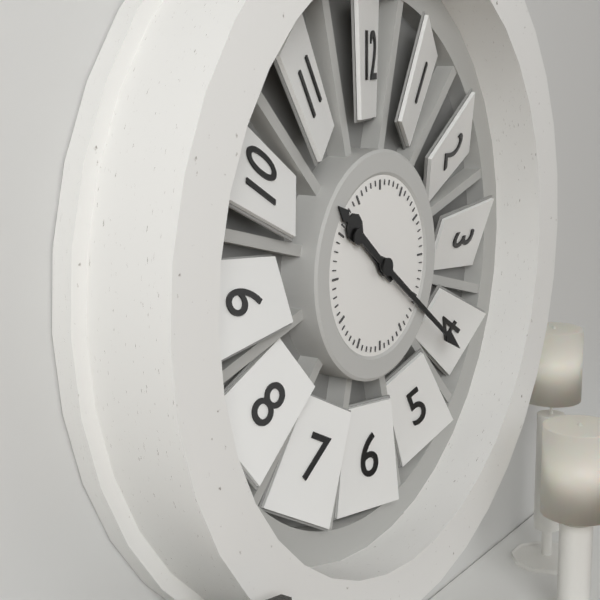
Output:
10,21
